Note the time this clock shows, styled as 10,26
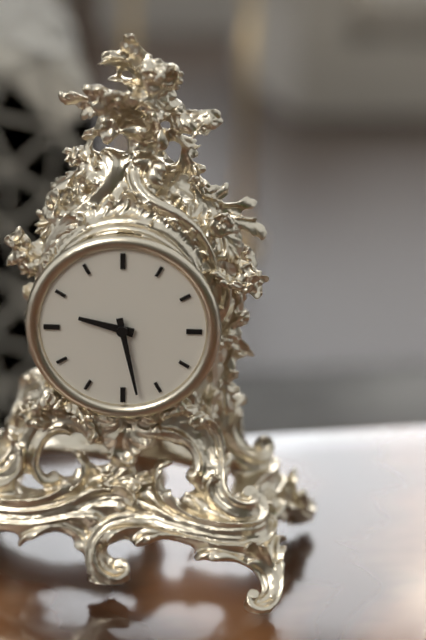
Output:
9,28
